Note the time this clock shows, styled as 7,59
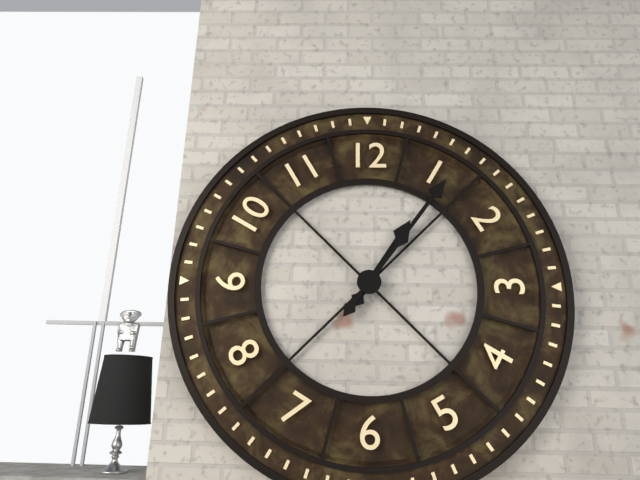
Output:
1,06
